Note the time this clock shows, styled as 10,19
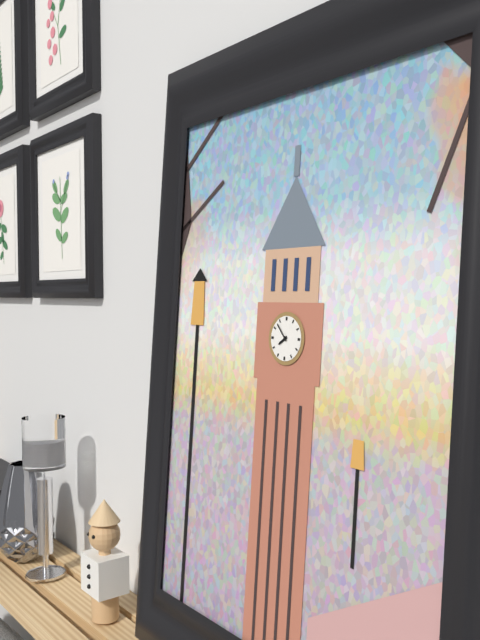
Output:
7,53
